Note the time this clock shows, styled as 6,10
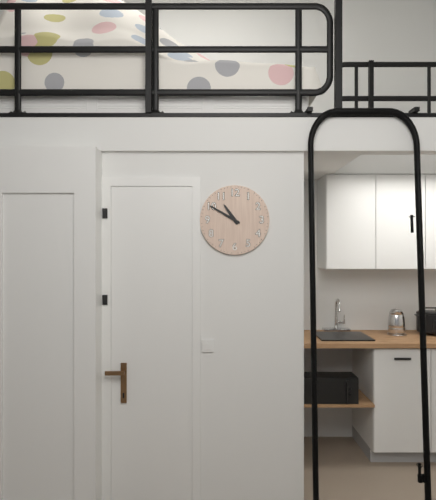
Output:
10,50
